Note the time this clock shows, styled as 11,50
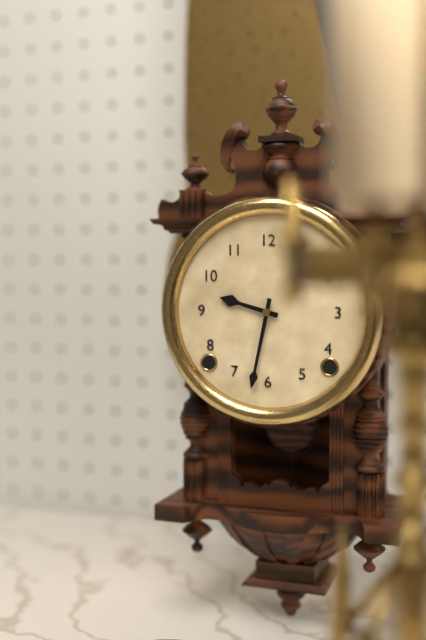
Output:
9,32
